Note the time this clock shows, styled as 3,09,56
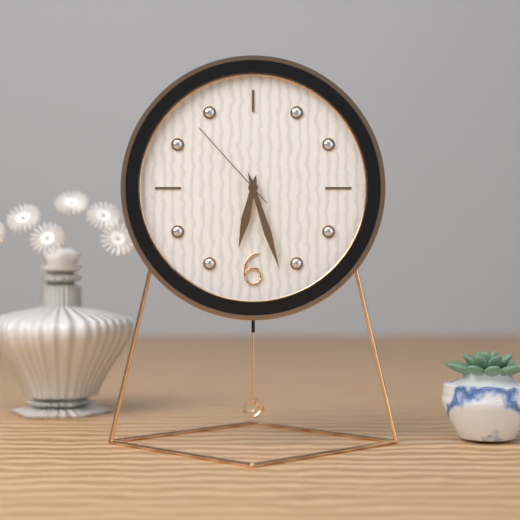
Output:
6,27,53
